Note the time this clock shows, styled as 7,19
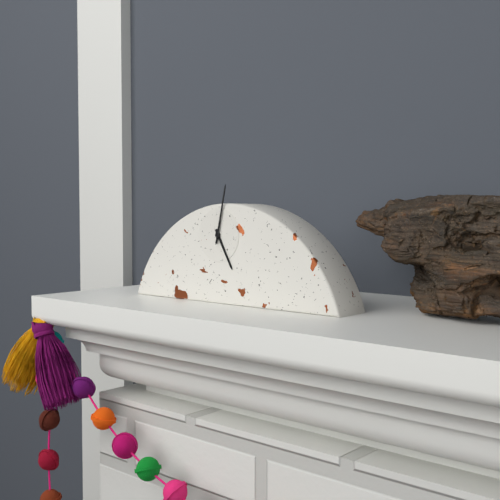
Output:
5,02
